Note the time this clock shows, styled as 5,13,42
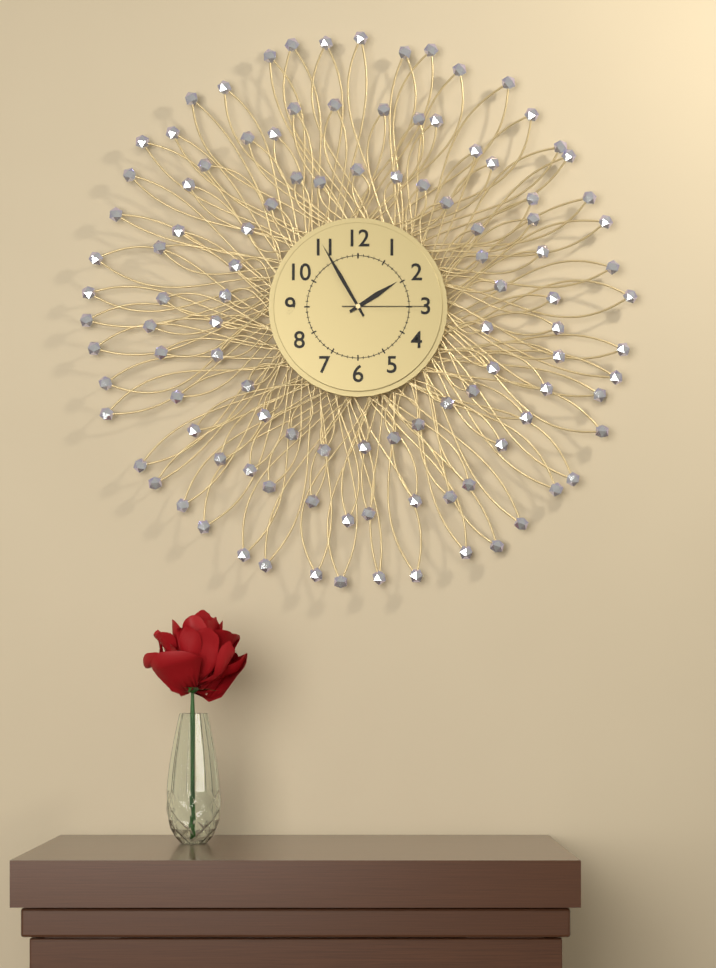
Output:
1,55,15
